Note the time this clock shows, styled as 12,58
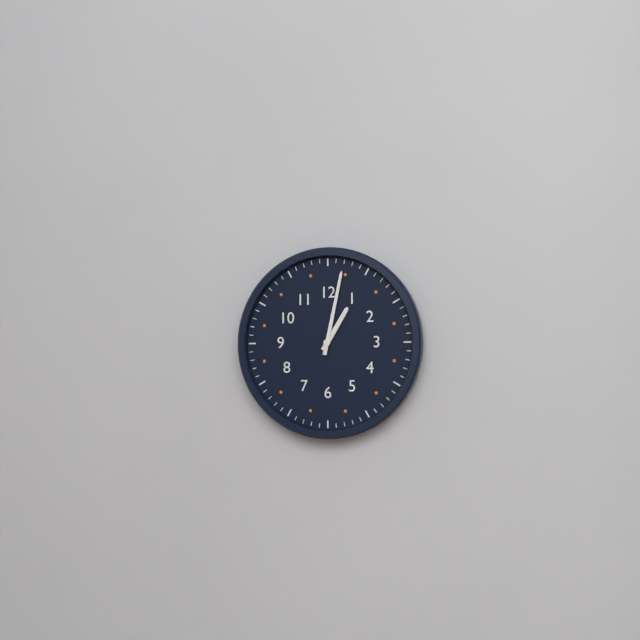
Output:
1,02
